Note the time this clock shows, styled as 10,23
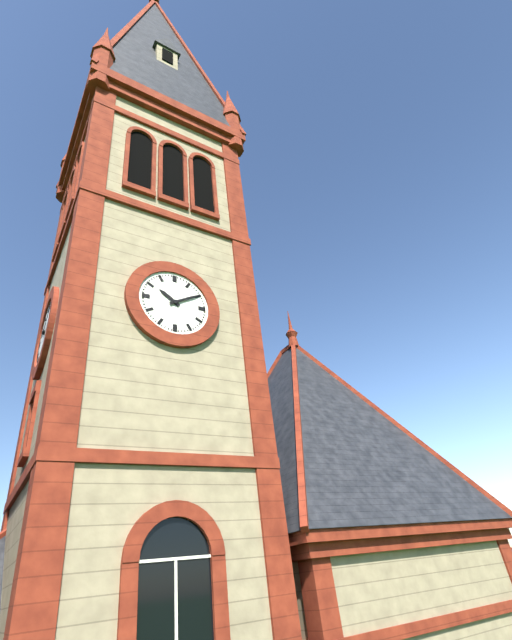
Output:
10,10
